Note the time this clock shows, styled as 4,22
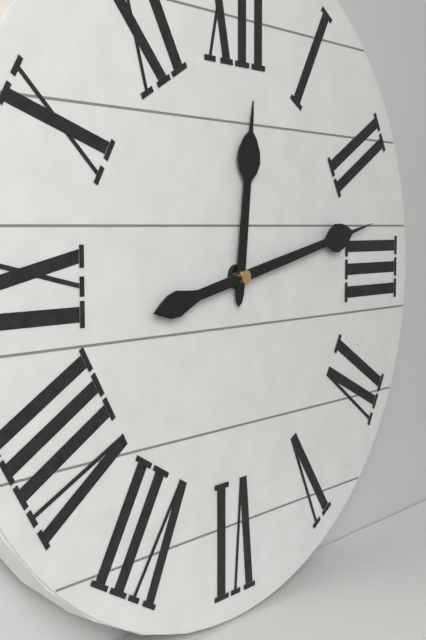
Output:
12,13
